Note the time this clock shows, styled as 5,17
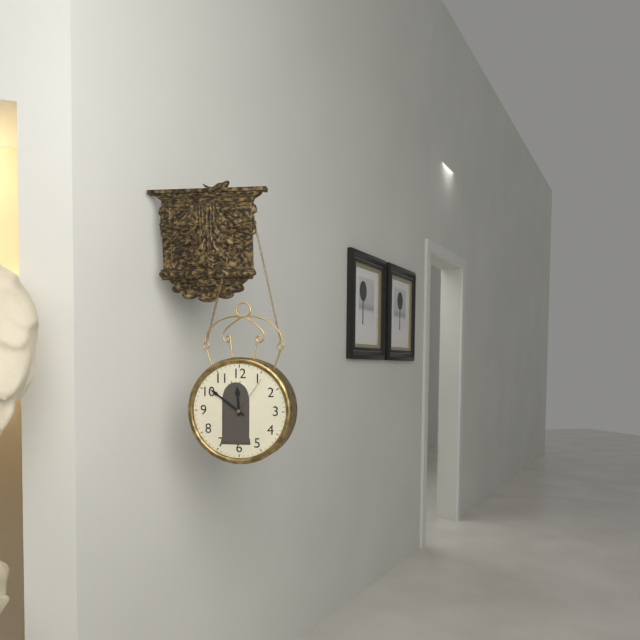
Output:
11,51
